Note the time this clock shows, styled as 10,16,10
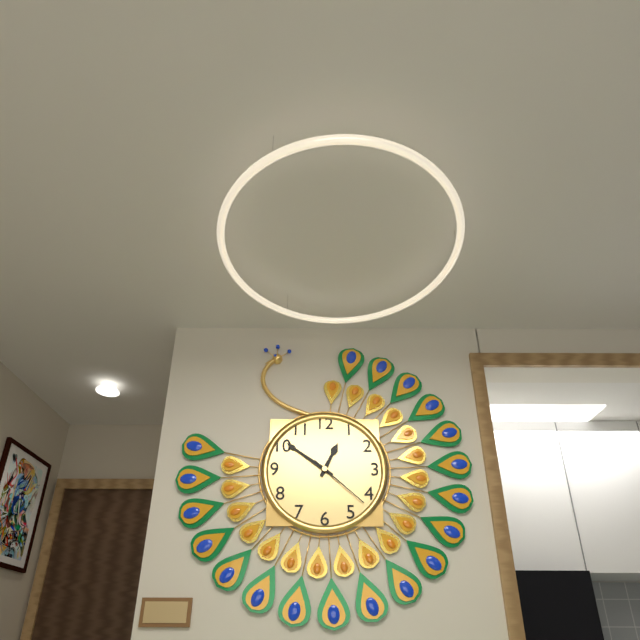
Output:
12,51,22
